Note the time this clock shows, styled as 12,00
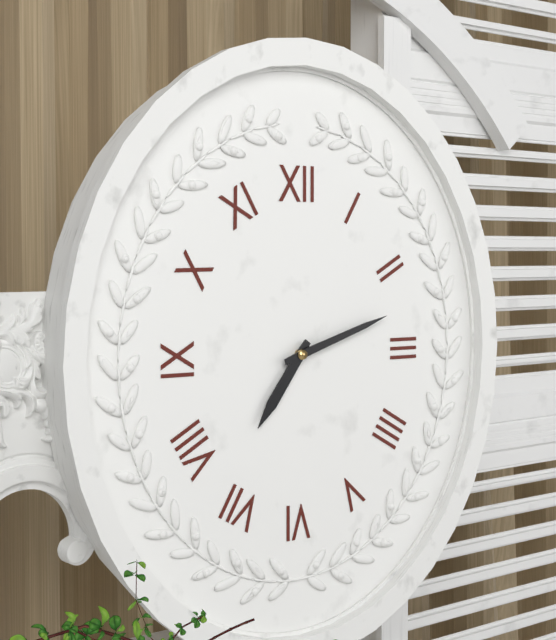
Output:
7,12
